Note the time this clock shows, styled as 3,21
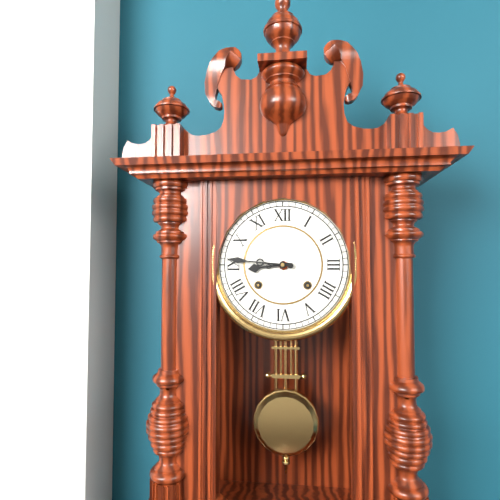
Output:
8,46
